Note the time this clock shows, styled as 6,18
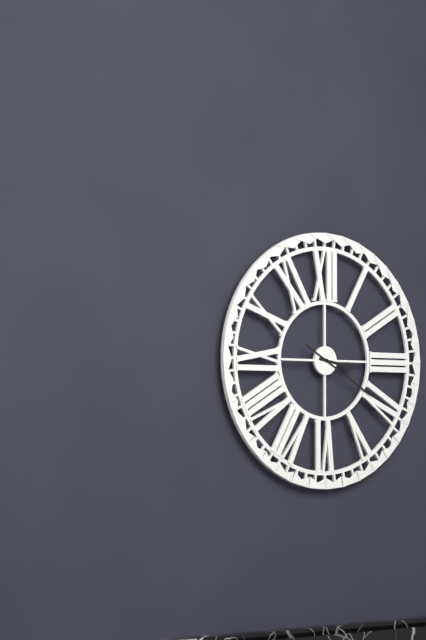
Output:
3,20
